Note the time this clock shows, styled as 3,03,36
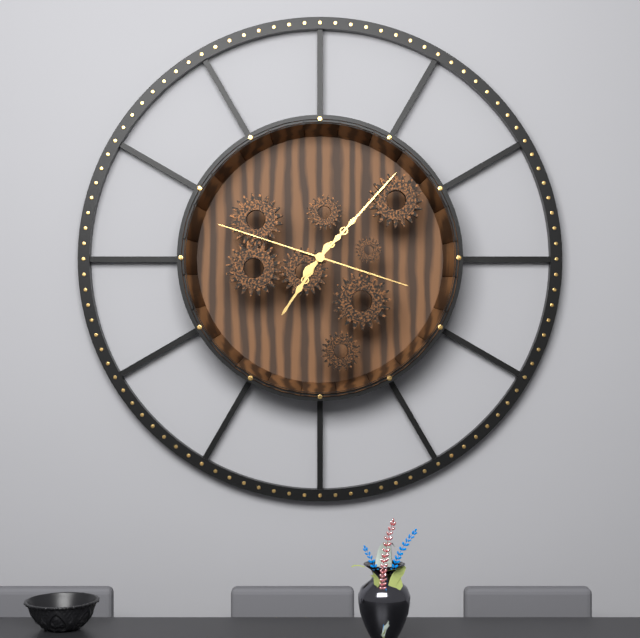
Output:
7,07,48
